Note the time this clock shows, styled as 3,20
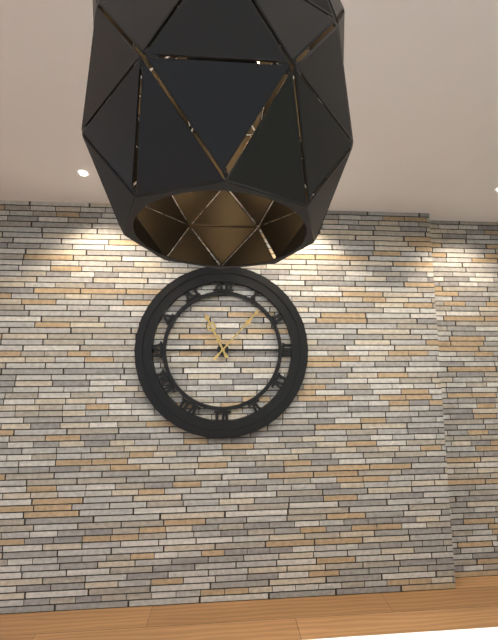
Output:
11,07
